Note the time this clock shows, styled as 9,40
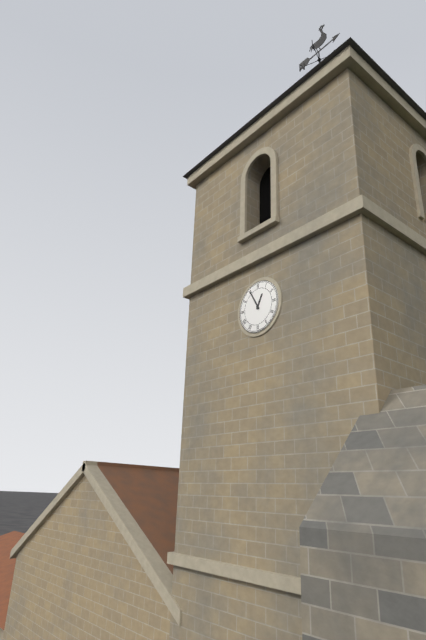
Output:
12,55
